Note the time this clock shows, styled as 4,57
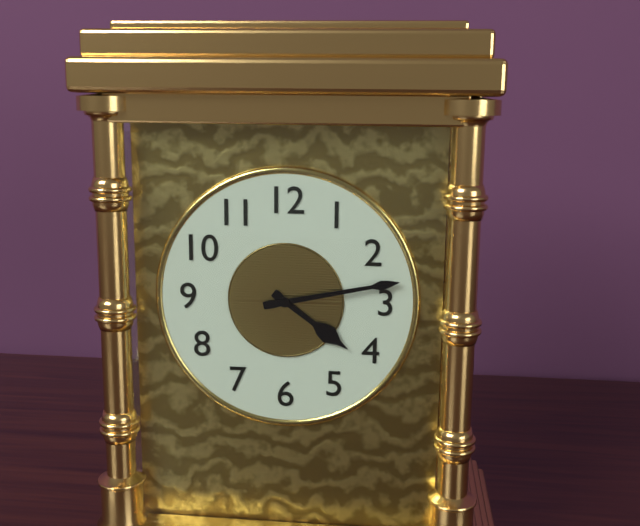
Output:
4,13
